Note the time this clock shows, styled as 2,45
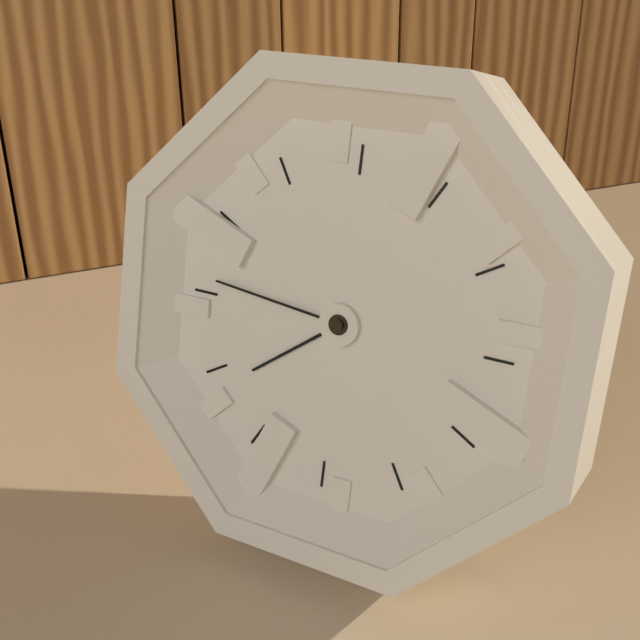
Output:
7,46
